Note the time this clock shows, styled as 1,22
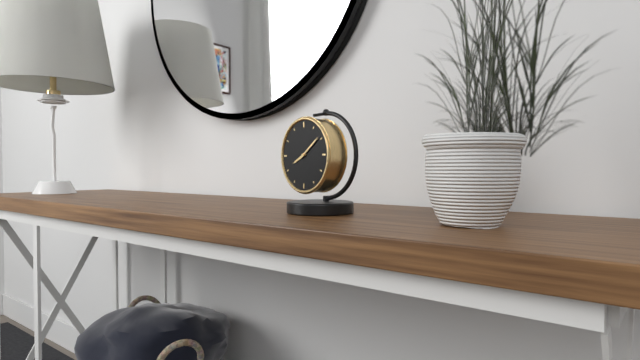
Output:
8,09
